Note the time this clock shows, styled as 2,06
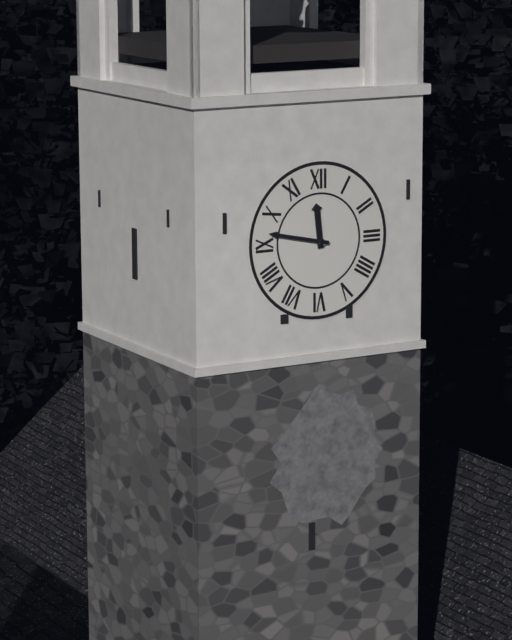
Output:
11,47
